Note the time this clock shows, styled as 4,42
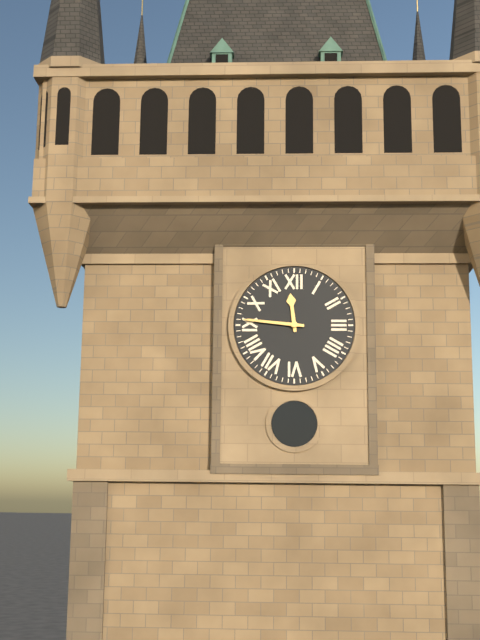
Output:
11,46
